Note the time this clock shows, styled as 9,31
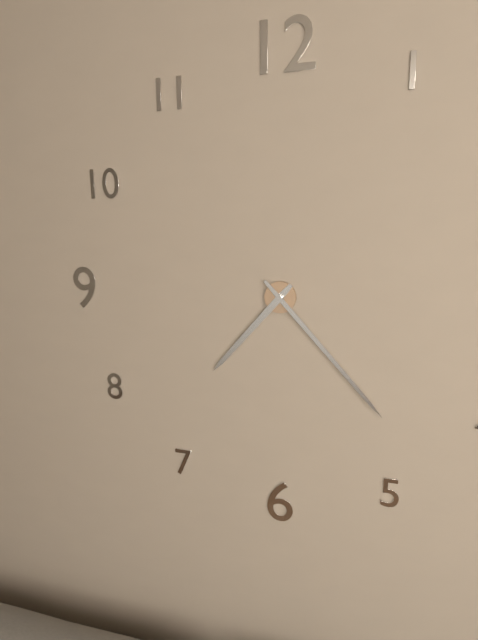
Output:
7,23
